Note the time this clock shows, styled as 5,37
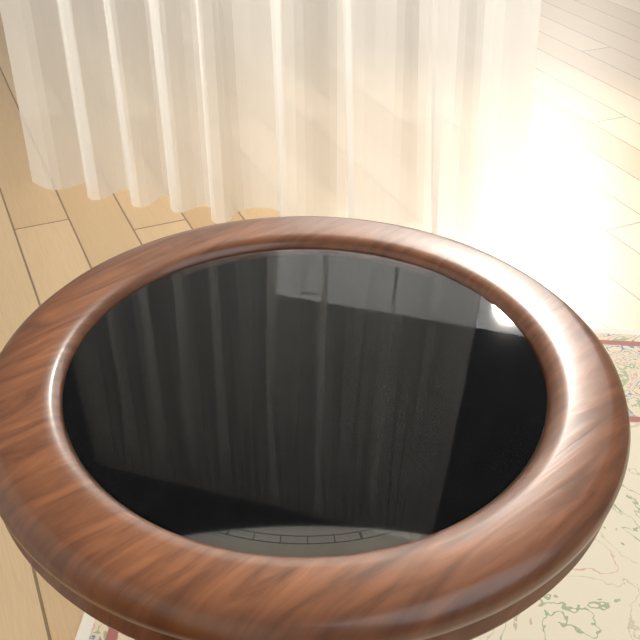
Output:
4,50
